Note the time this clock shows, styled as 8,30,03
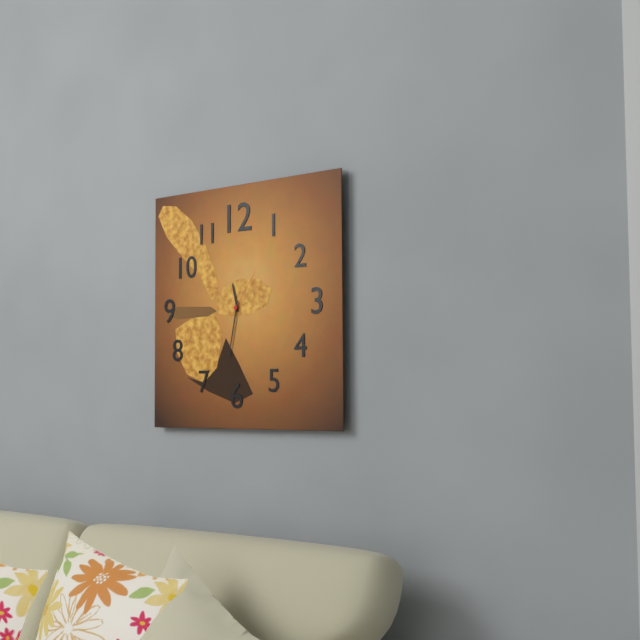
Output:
11,32,06
